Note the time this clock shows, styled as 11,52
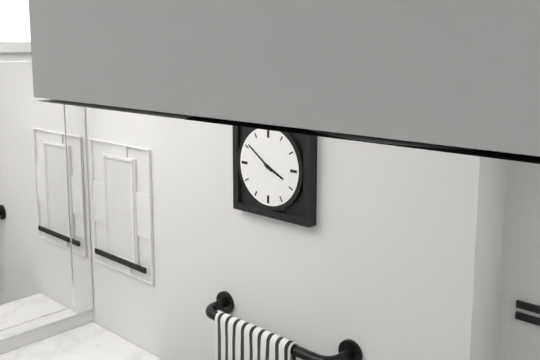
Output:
3,51
